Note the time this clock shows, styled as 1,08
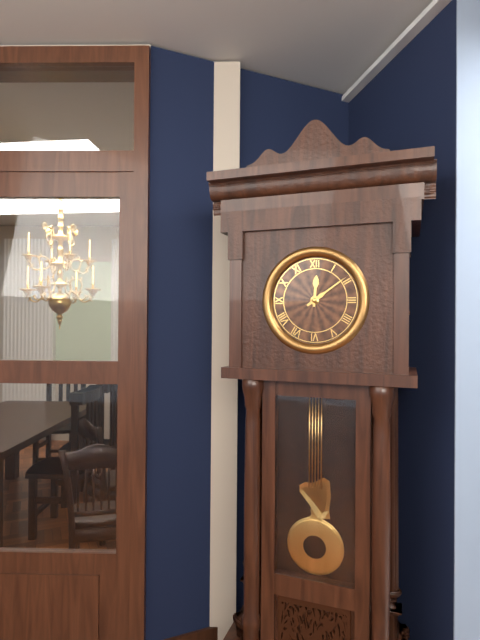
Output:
12,09
